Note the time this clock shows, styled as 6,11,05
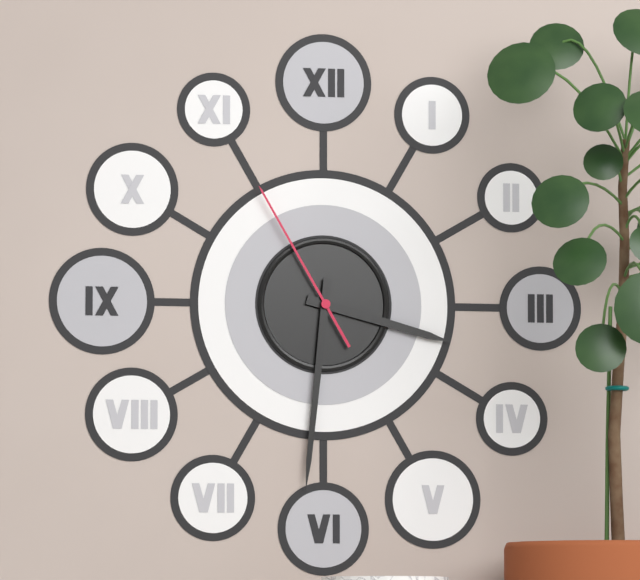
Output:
3,31,55
